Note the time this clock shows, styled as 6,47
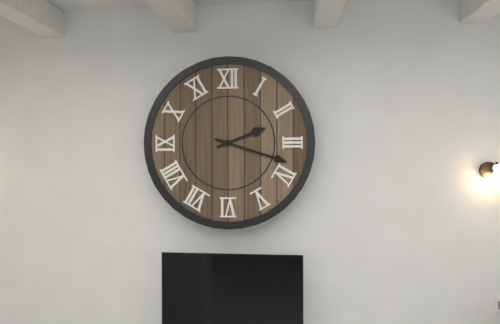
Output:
2,18
